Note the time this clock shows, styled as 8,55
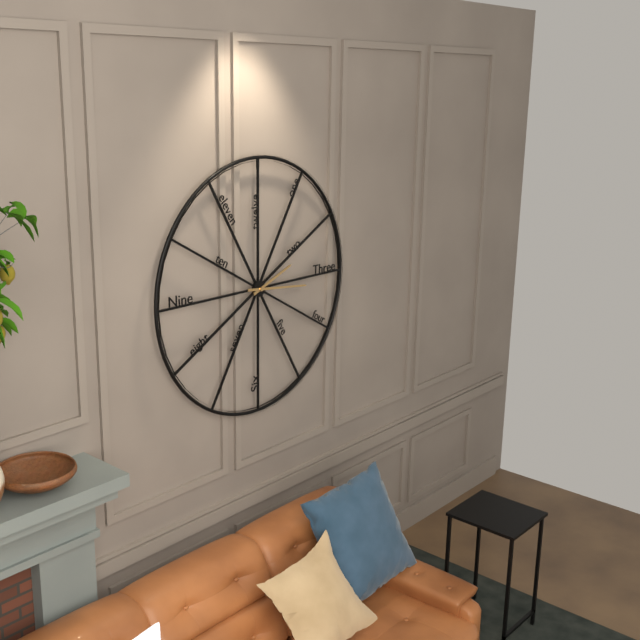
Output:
2,16
